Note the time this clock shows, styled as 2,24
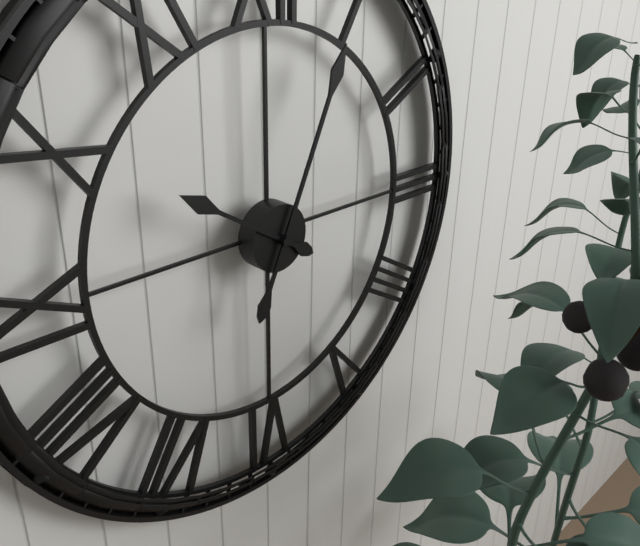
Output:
10,04
